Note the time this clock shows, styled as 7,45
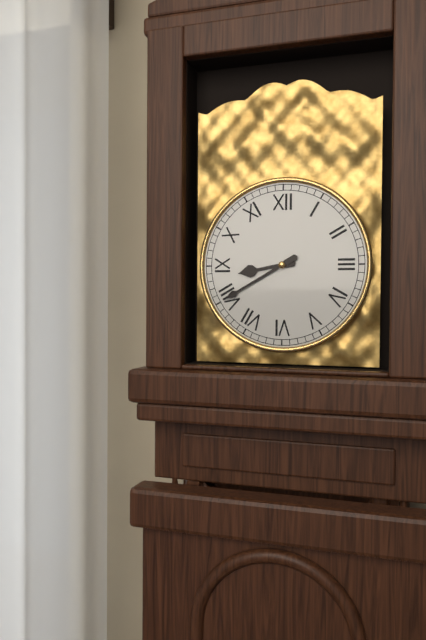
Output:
8,40
